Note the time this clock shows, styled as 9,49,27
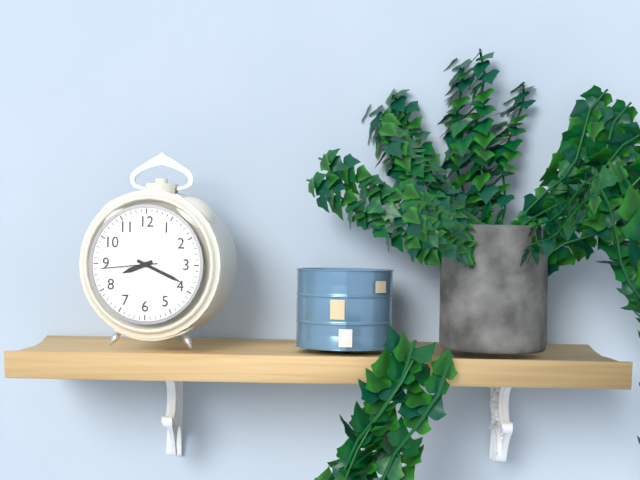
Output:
8,19,44
